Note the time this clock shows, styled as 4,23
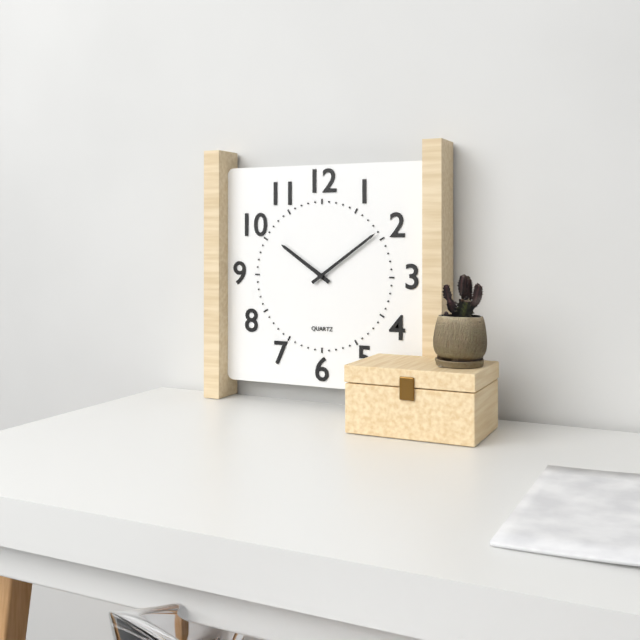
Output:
10,09
